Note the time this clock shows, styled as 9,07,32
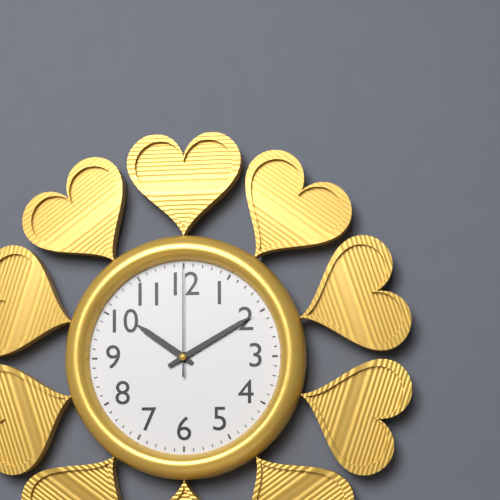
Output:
10,10,00
